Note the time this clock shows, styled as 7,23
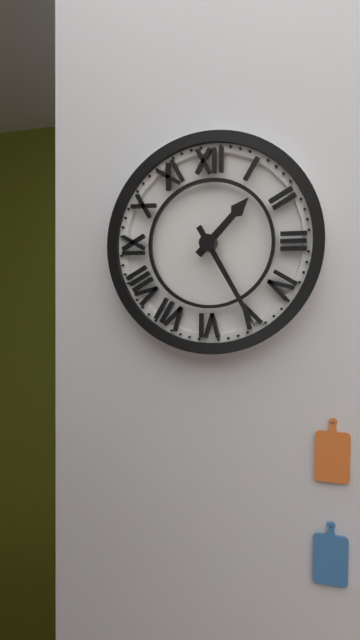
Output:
1,25
